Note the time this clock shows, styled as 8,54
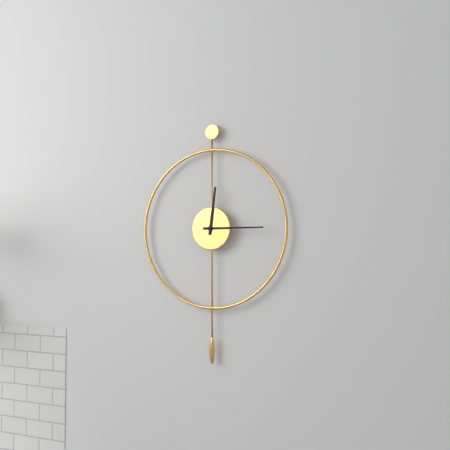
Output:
12,15
